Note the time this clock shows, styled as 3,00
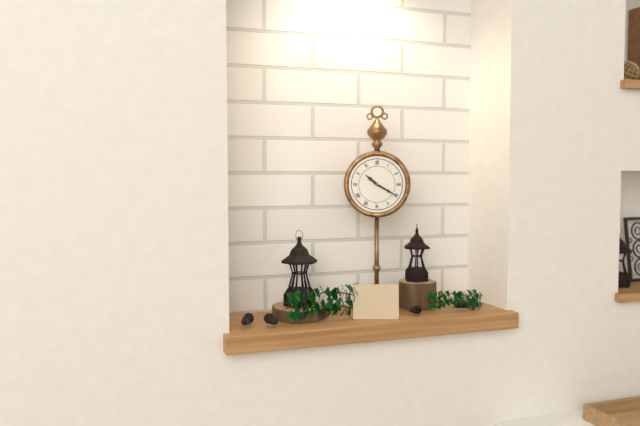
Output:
10,20
